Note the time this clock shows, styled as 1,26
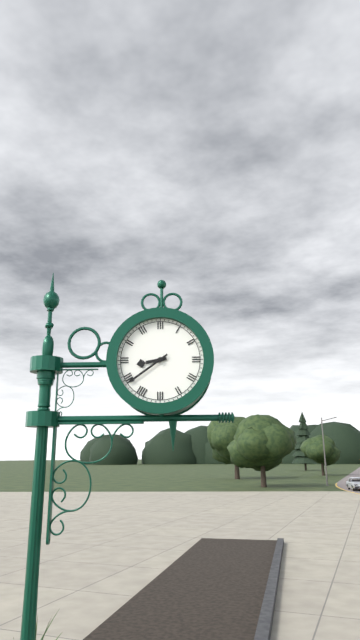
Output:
8,39
